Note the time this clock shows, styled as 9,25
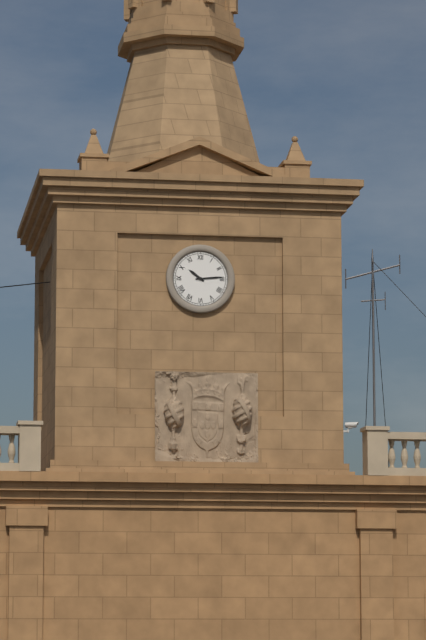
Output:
10,14
